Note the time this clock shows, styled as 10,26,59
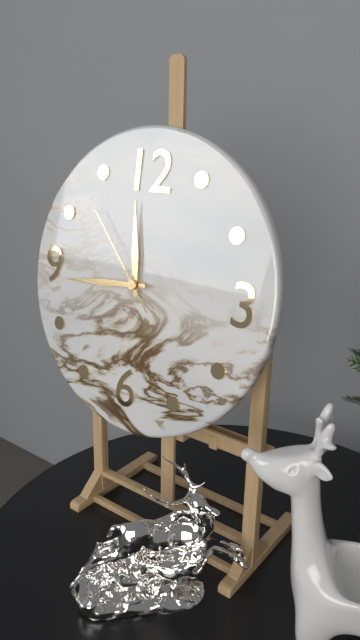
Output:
11,44,53
